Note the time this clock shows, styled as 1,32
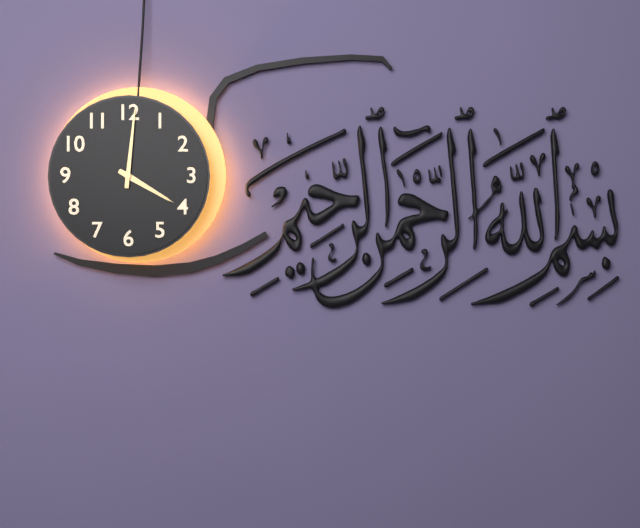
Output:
4,01
